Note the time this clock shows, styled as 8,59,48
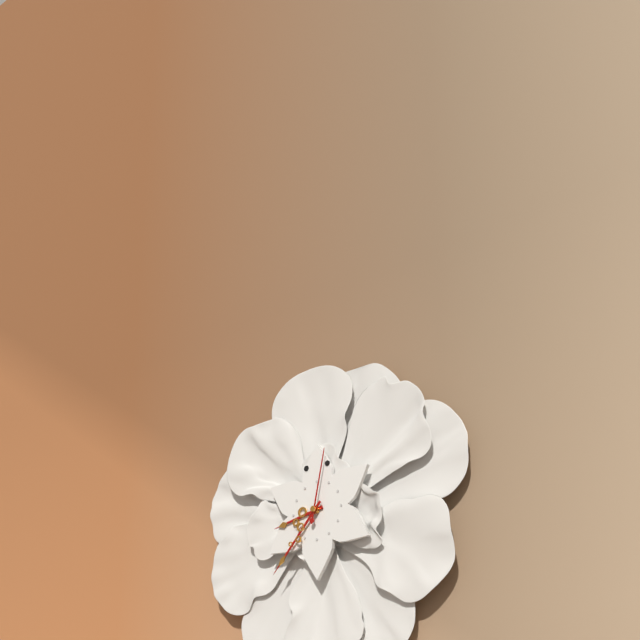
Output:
8,37,02
